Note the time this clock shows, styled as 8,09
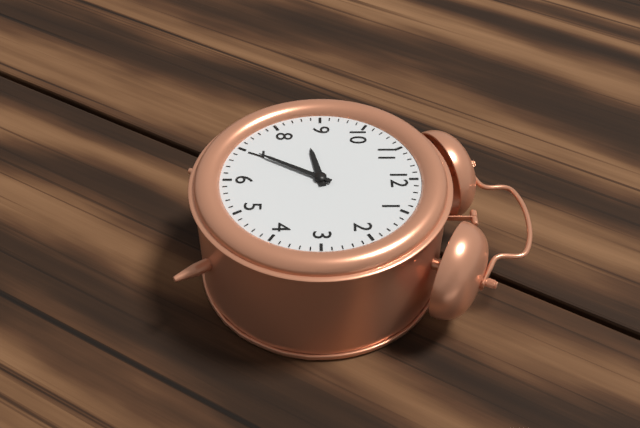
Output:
8,35
